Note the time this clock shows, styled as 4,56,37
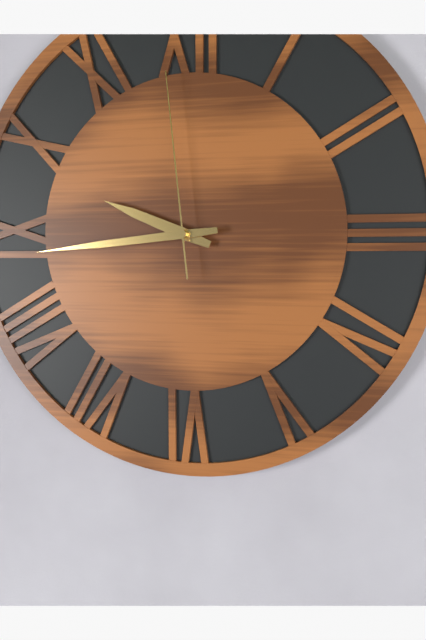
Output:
9,44,59
